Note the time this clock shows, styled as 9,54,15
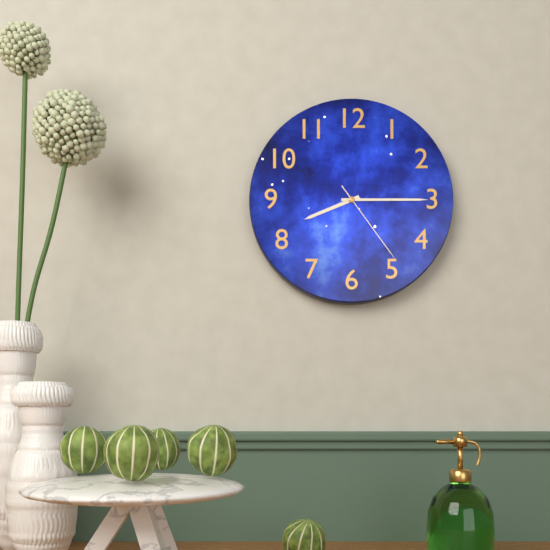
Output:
8,15,24
